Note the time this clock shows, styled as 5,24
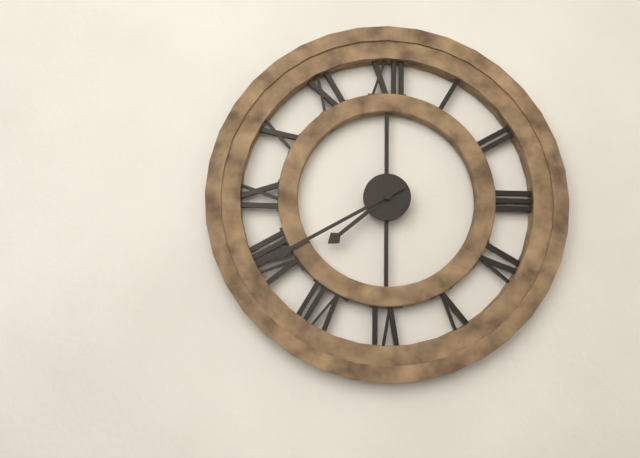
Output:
7,40
